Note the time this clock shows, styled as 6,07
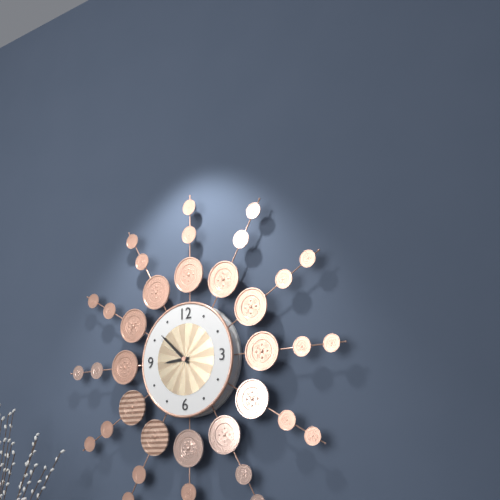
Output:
8,52
